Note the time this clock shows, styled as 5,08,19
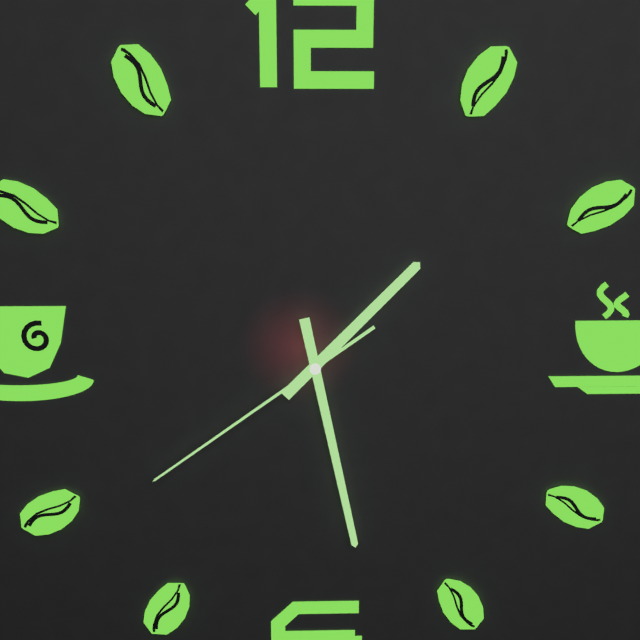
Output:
1,28,39
